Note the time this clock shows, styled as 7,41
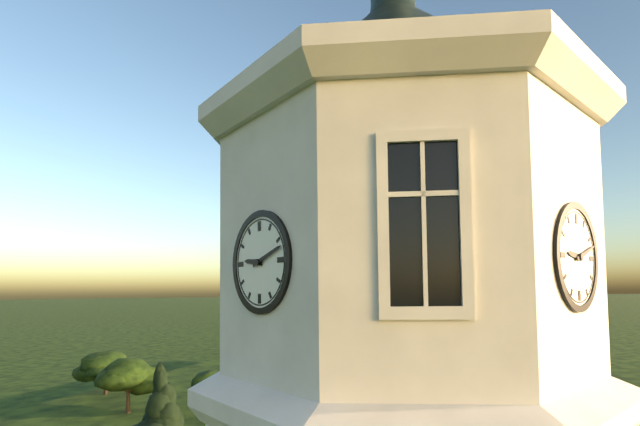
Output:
9,12
